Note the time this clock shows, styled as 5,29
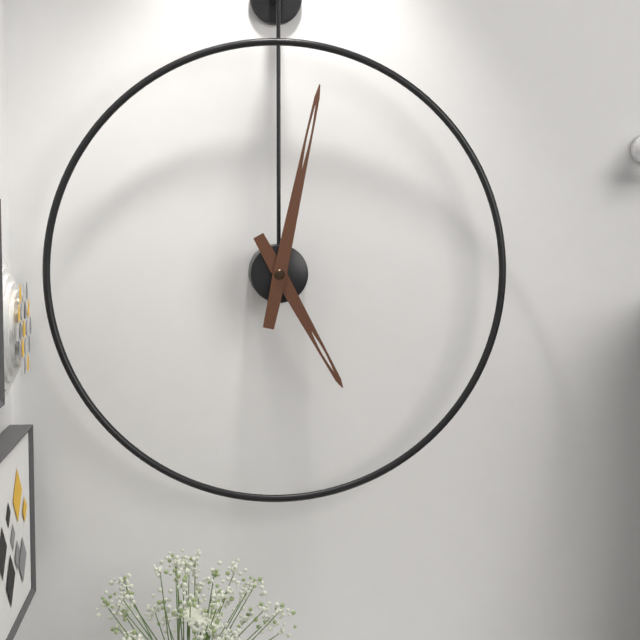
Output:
5,02
